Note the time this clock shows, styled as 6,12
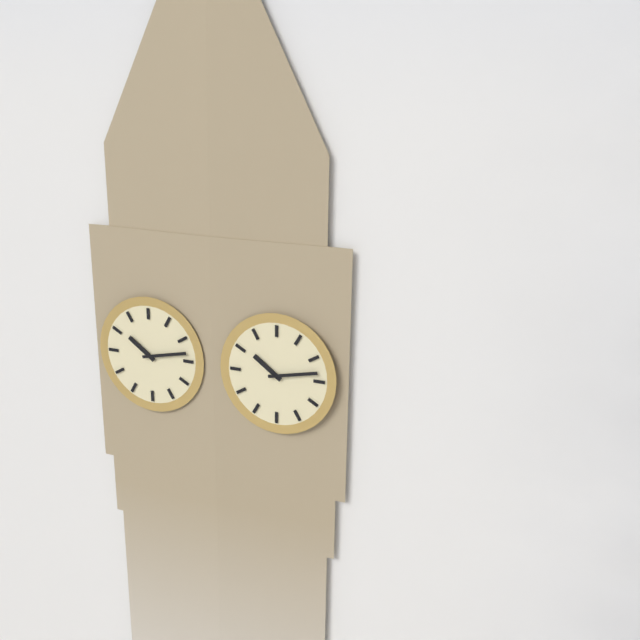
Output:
10,13
